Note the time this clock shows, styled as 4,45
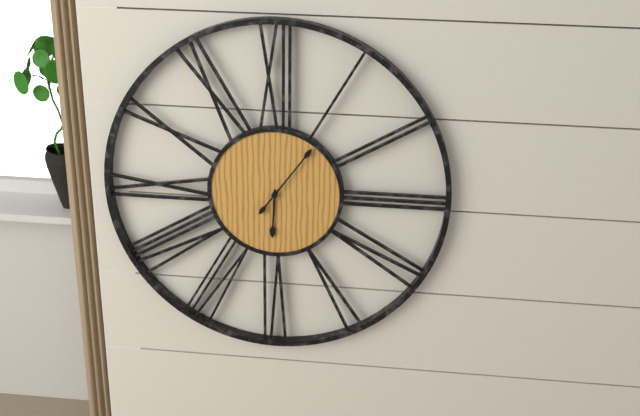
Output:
6,06
